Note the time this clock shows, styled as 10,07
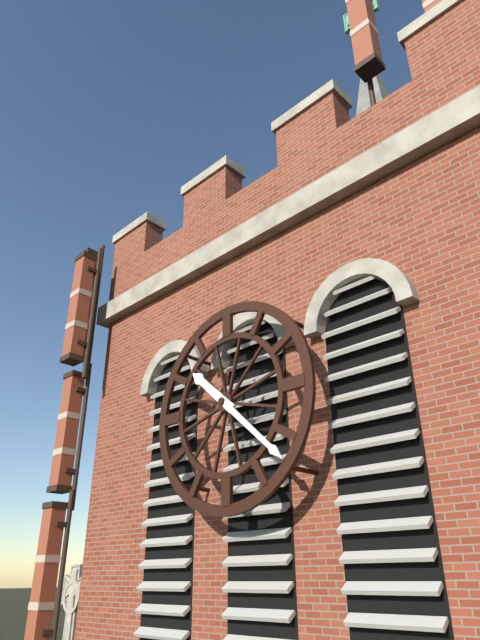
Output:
10,22
